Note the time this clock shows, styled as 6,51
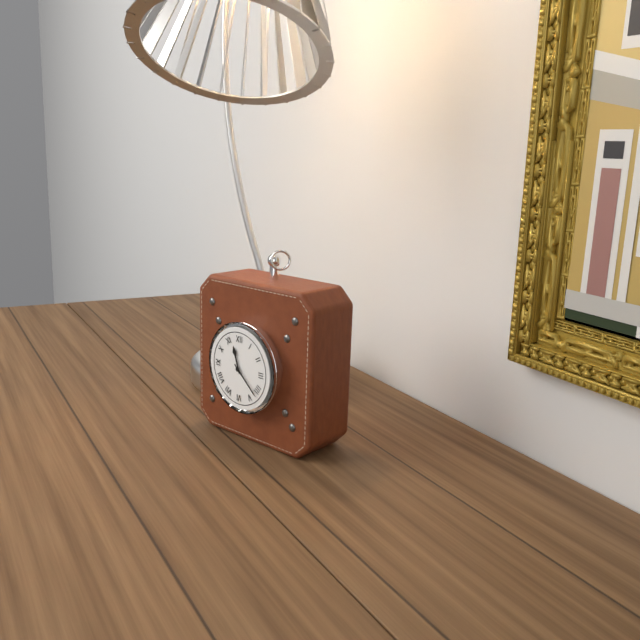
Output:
11,22
